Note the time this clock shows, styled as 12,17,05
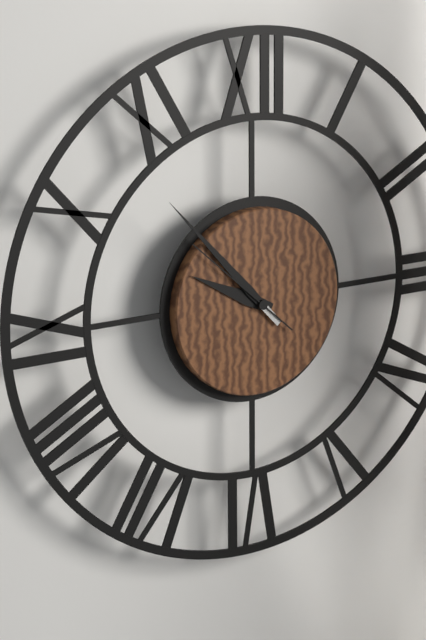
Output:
9,53,52
